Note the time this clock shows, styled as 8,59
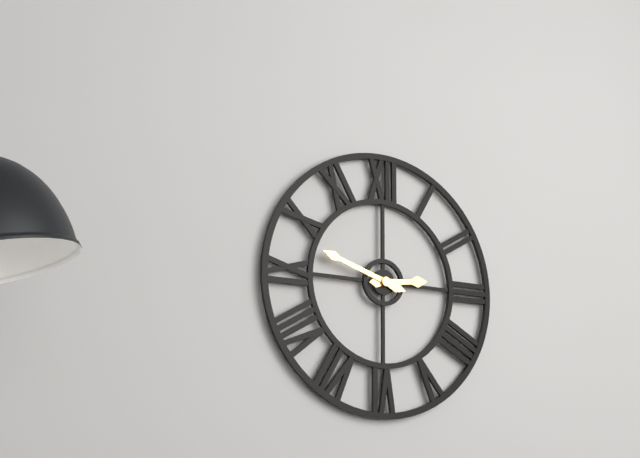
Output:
2,48
